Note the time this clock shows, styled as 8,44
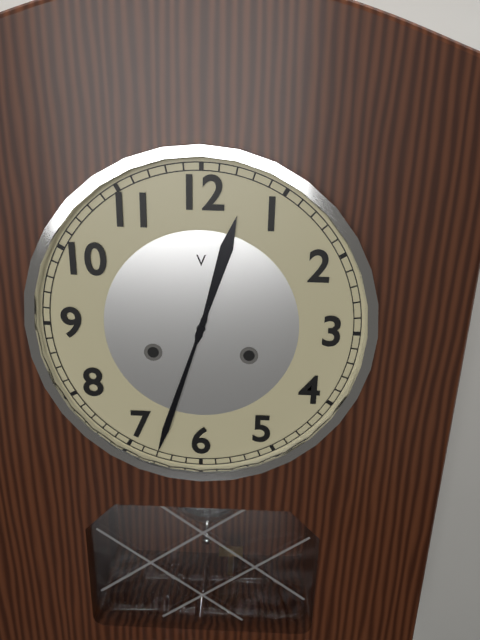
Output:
12,33
